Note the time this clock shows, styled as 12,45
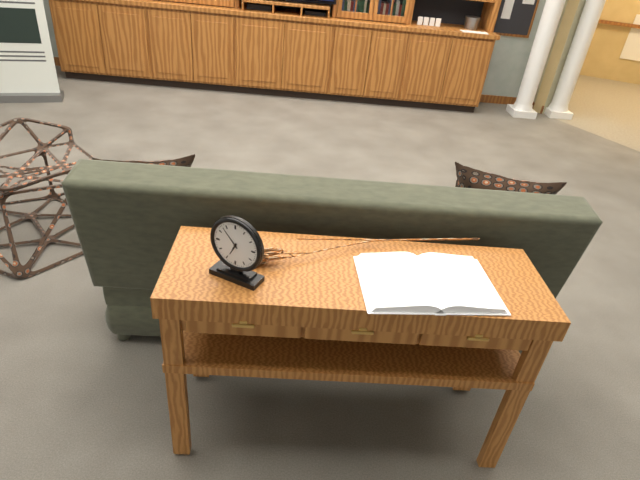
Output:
6,53
